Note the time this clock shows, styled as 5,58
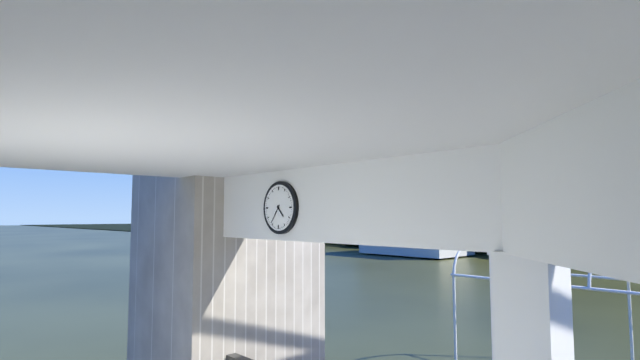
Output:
4,36
